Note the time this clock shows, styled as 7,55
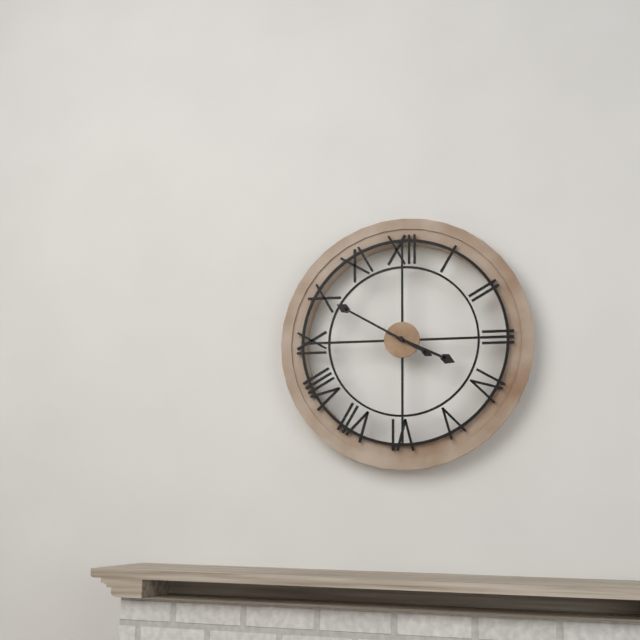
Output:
3,50
